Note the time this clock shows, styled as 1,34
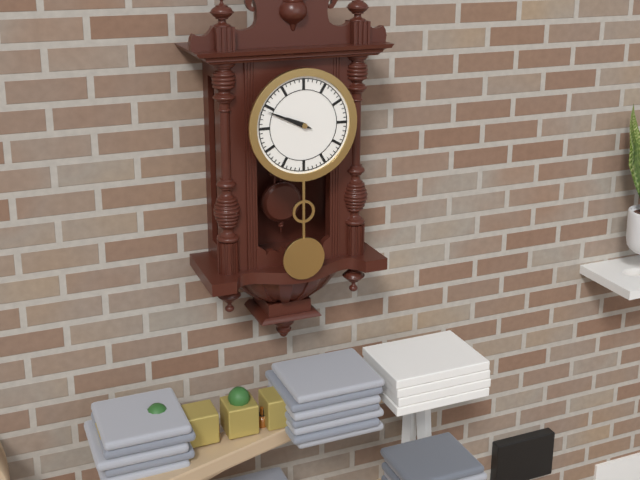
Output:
9,49
